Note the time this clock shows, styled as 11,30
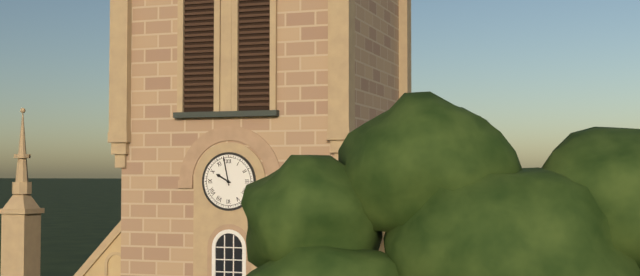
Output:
9,58
